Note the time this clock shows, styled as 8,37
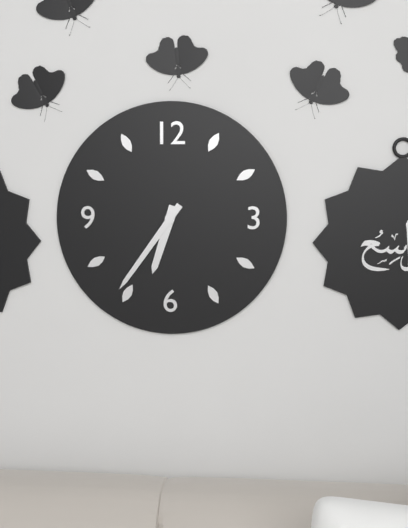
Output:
6,36
